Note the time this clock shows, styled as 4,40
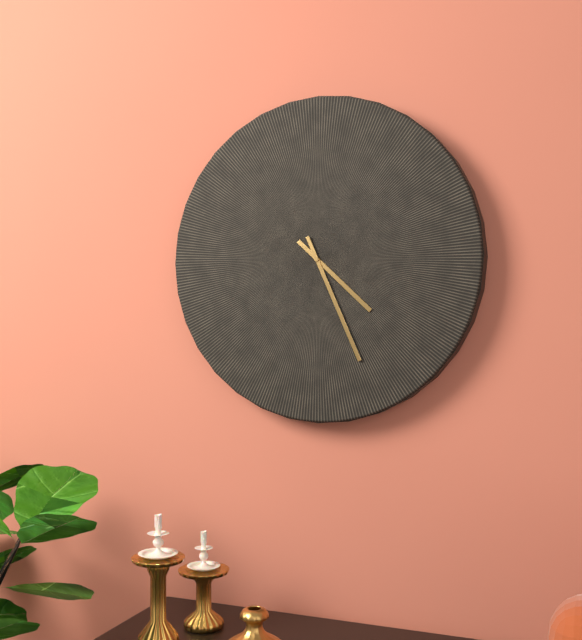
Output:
4,26
